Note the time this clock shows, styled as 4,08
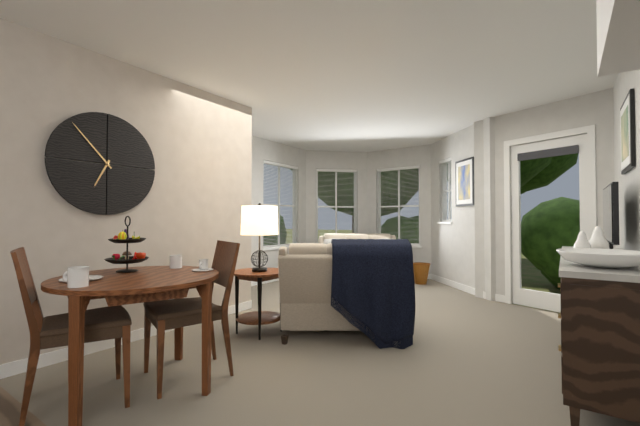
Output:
6,53
